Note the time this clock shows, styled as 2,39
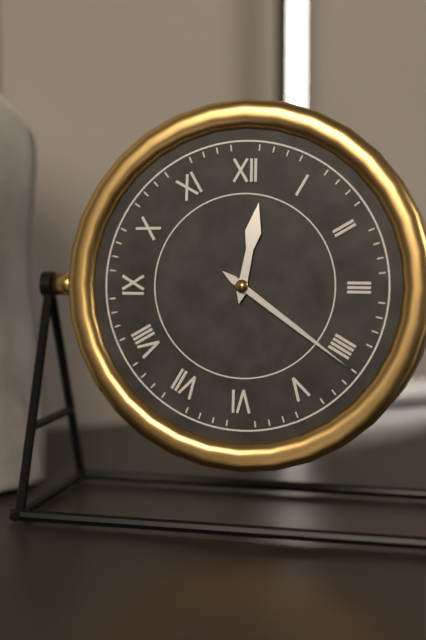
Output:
12,21
